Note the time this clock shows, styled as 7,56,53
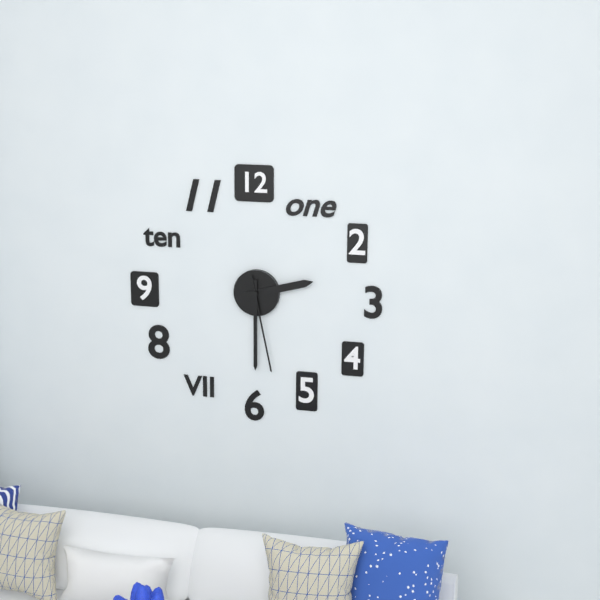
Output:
2,30,28
